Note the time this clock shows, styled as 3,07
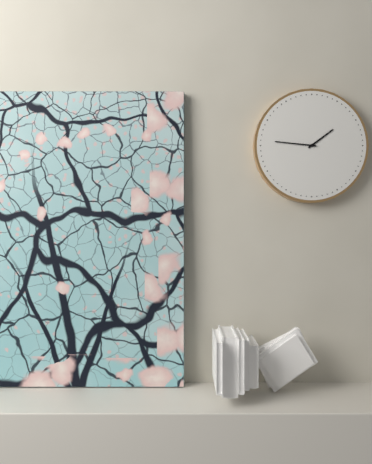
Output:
1,46
